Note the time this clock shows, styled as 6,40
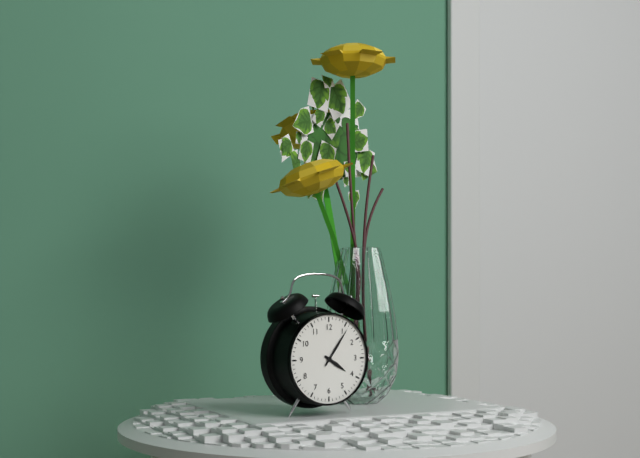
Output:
4,06
